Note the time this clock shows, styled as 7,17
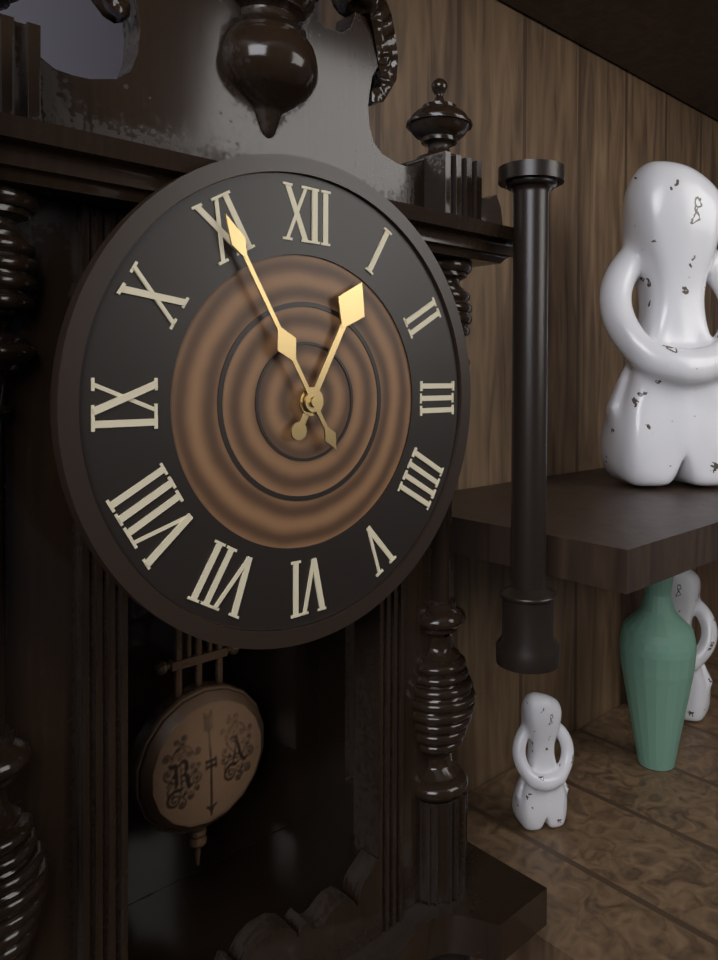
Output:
12,55
